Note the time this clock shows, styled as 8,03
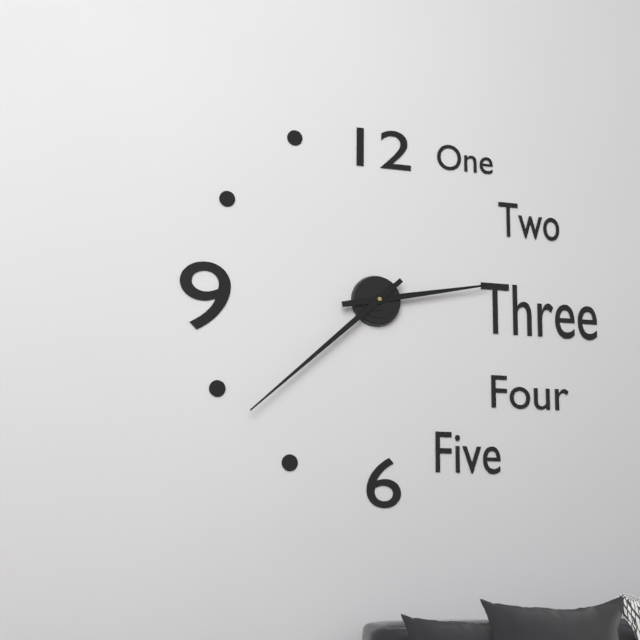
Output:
2,38
